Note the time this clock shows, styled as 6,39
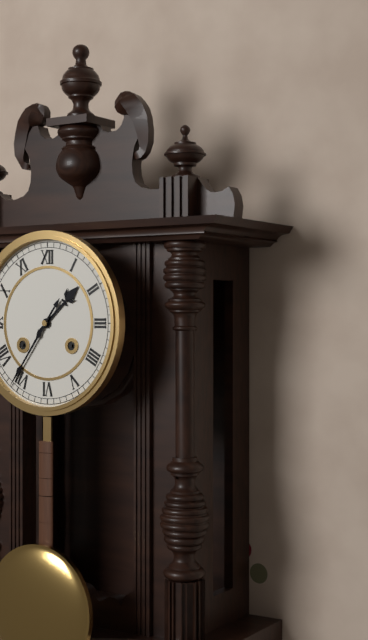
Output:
1,36
